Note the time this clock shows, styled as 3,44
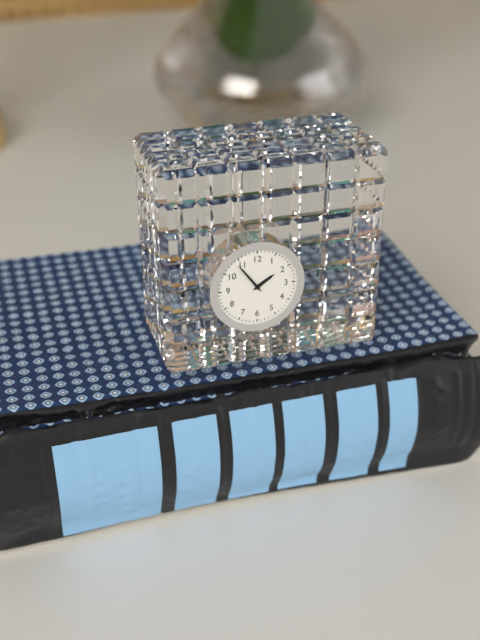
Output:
1,54
